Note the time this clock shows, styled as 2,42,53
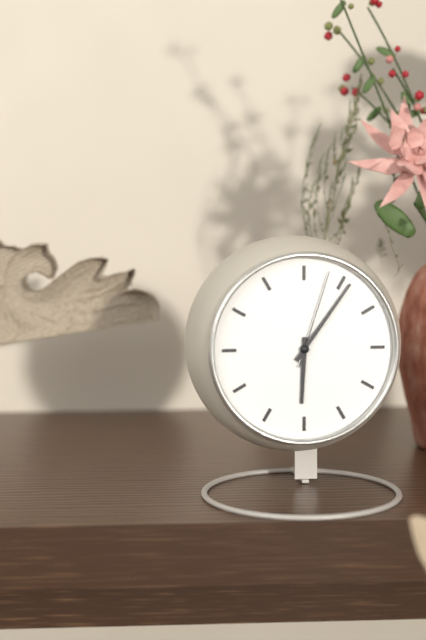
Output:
6,06,03
